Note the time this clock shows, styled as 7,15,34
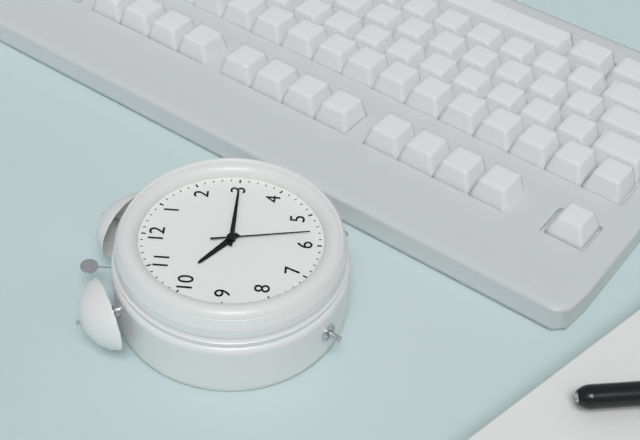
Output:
10,15,28
